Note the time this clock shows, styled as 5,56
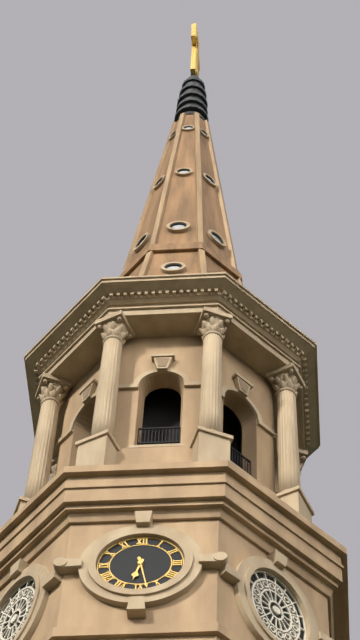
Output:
6,28
